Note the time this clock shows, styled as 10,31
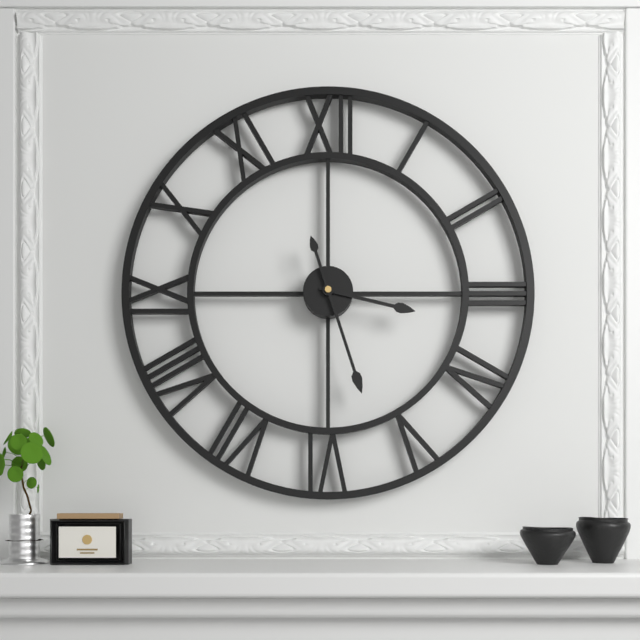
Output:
3,27
